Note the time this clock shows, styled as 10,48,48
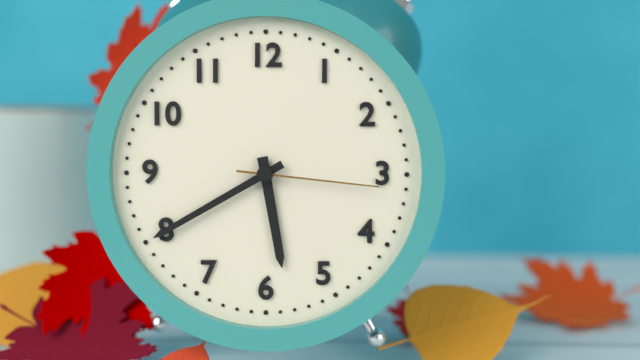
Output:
5,40,16
